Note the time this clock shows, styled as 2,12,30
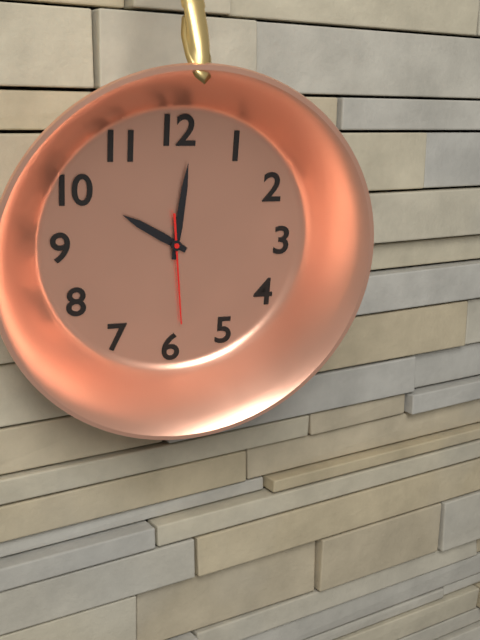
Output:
10,01,29
